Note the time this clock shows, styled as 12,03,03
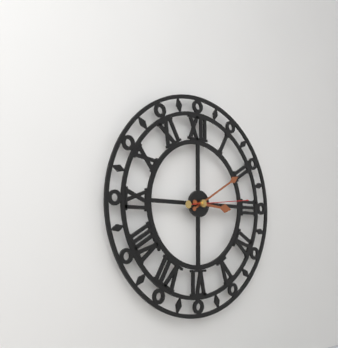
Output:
3,10,14
